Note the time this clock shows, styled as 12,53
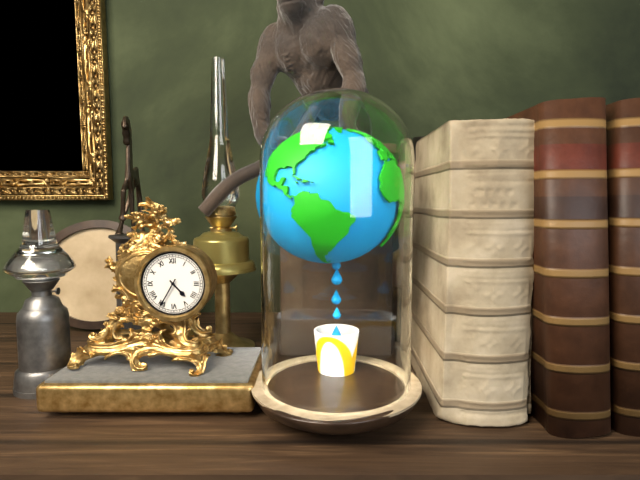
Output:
4,35
